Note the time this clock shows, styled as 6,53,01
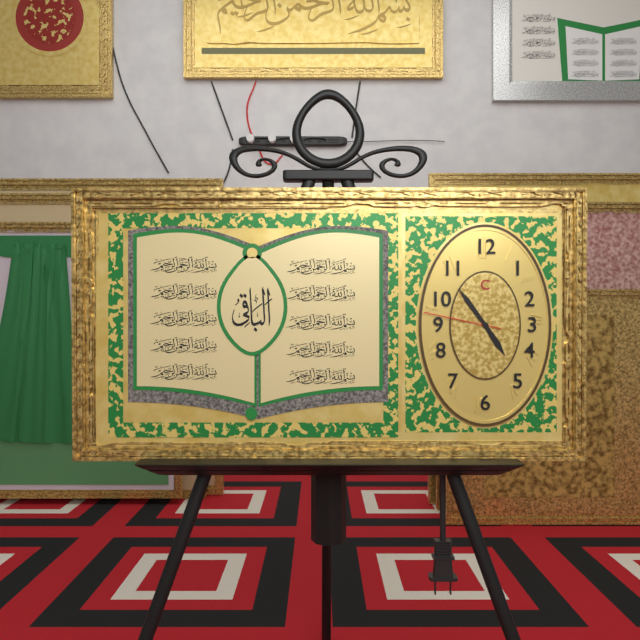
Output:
4,54,47
